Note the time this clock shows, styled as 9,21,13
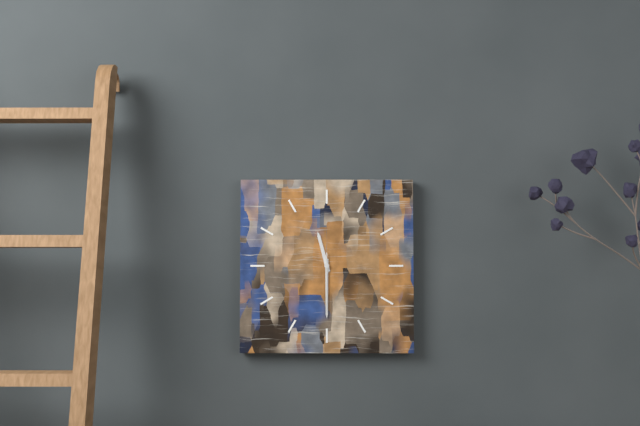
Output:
11,30,30
